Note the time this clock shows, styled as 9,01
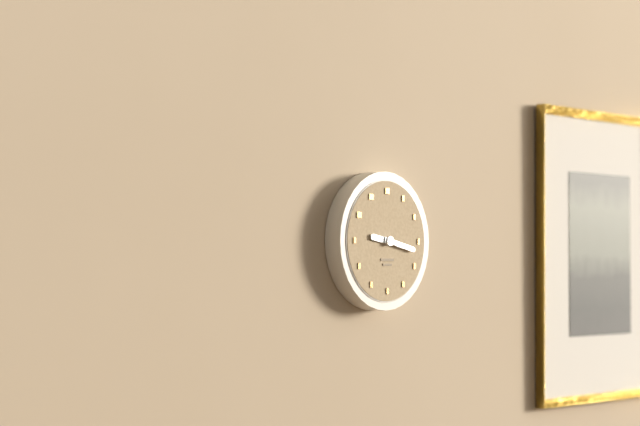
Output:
9,17
